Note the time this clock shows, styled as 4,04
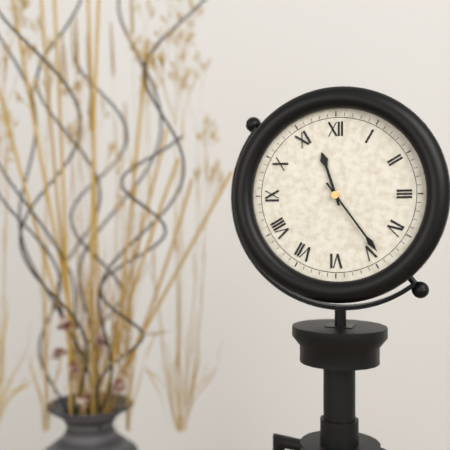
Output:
11,24
